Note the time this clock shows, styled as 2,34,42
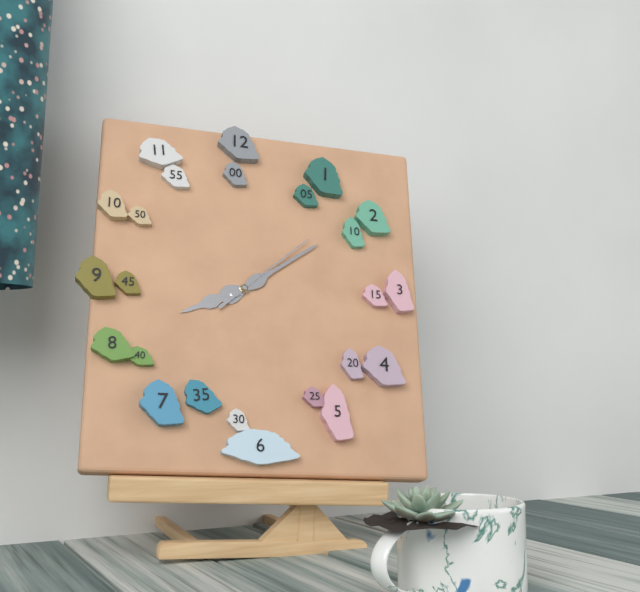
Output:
8,09,08
